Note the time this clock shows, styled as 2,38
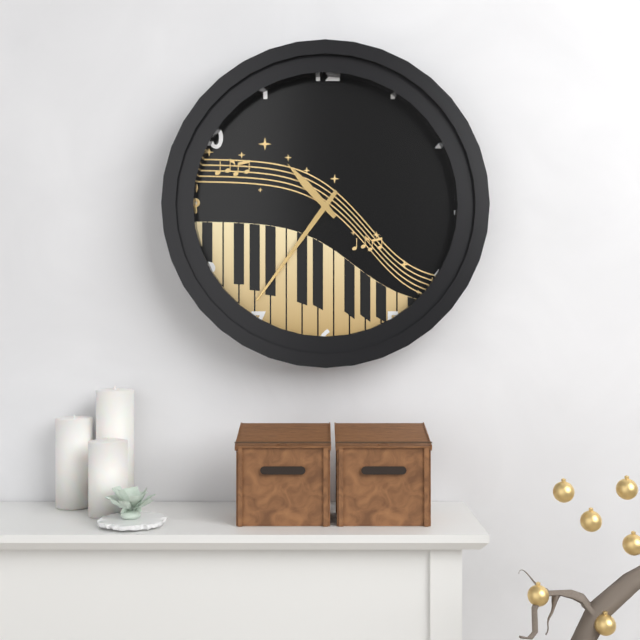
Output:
10,36
